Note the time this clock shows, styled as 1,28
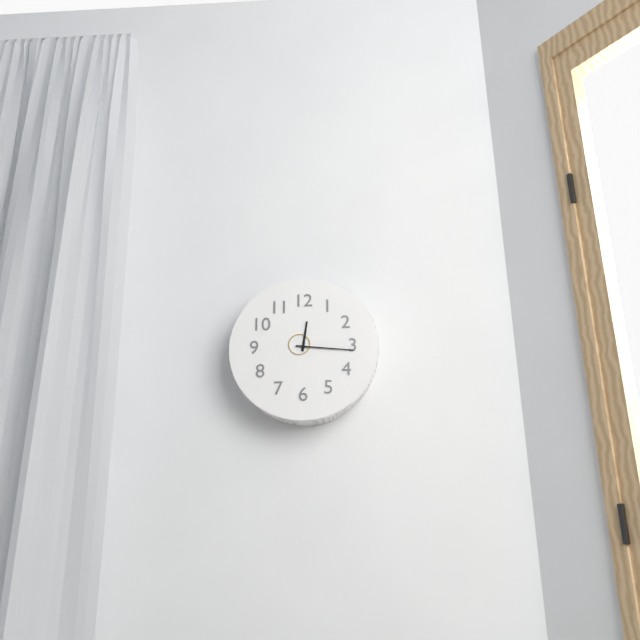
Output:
12,16
